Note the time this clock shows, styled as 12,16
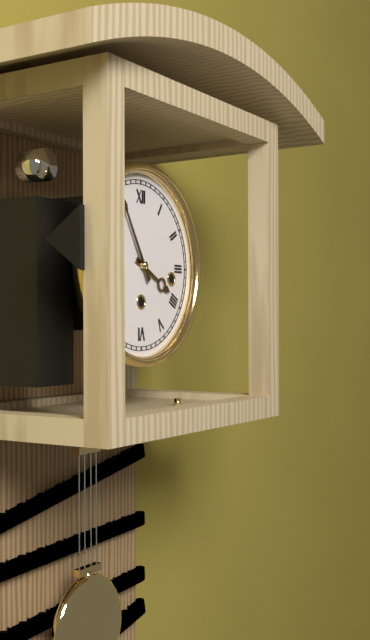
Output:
3,55
